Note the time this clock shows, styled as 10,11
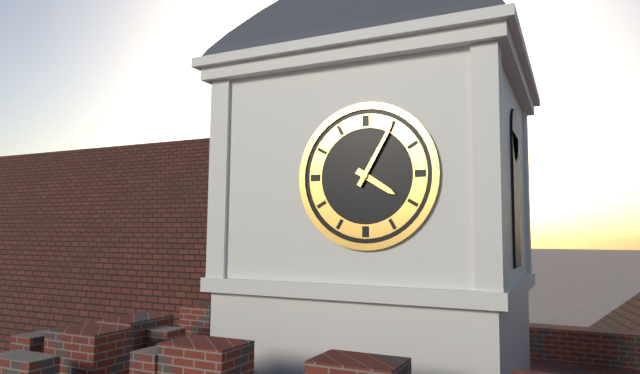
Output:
4,05
